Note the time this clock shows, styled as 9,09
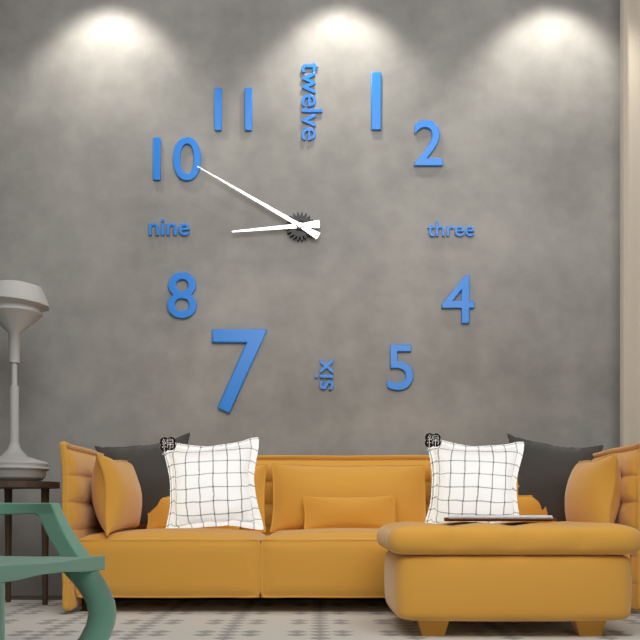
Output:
8,50
